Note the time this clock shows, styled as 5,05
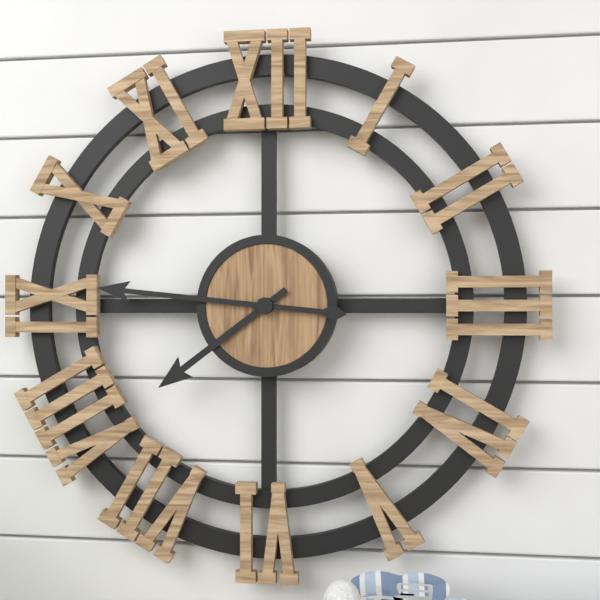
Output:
7,46
